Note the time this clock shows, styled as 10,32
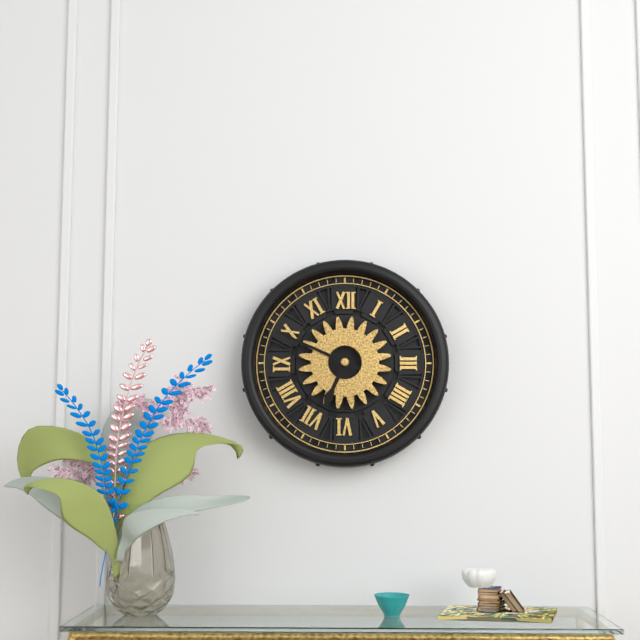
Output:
6,49
